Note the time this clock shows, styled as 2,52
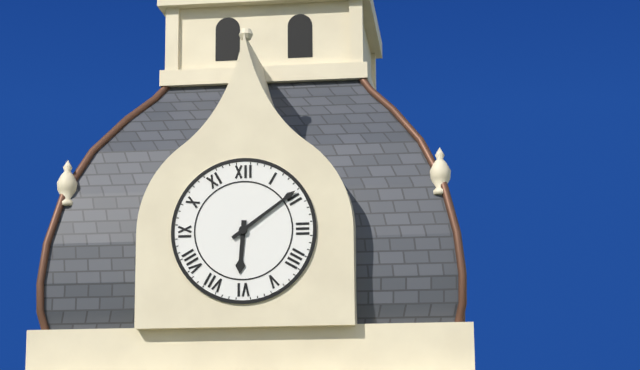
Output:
6,09
